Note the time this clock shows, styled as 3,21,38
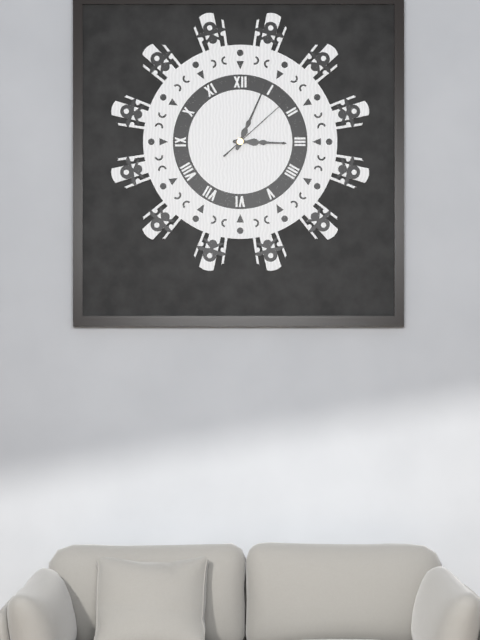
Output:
3,04,08
